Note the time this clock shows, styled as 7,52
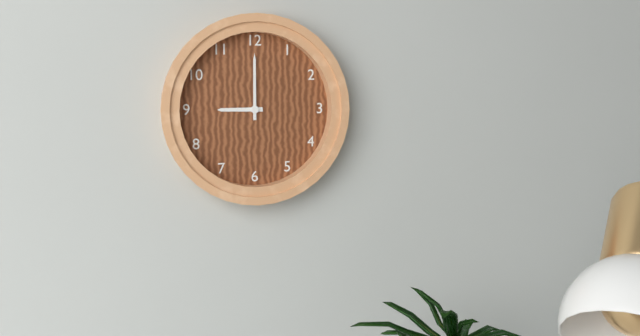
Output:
9,00
